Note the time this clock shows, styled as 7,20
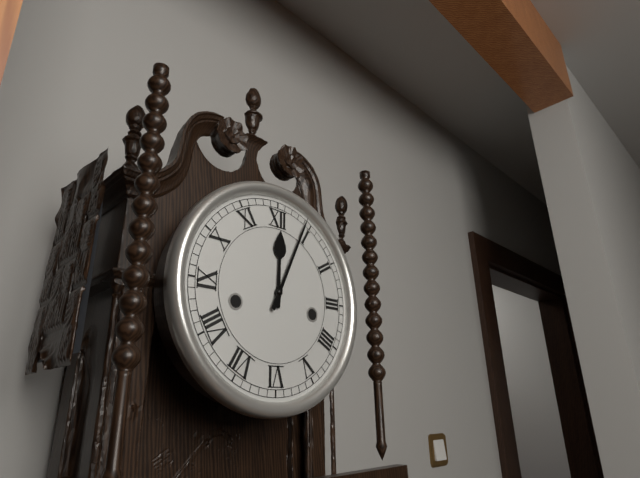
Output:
12,04
